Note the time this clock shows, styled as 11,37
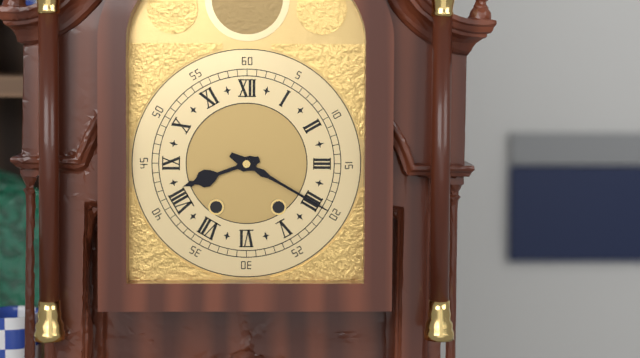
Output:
8,20
